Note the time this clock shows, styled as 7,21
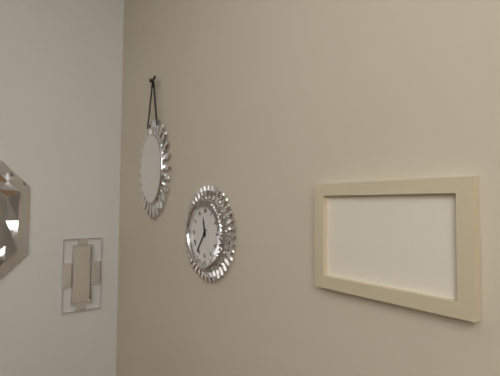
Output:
11,36
